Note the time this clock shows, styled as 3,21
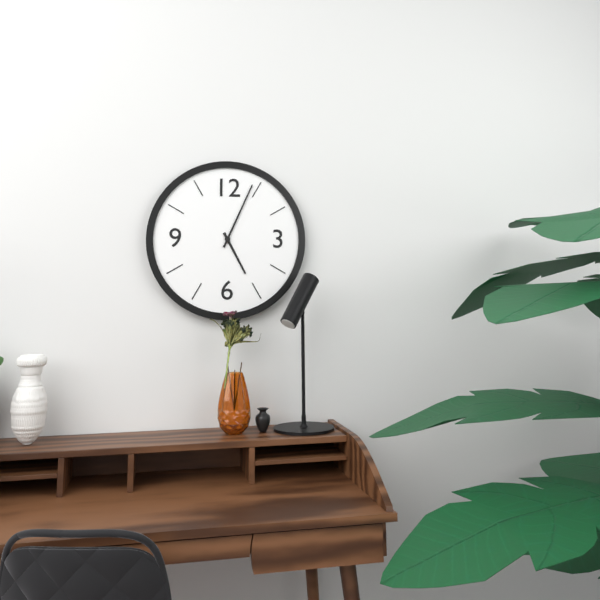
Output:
5,04
